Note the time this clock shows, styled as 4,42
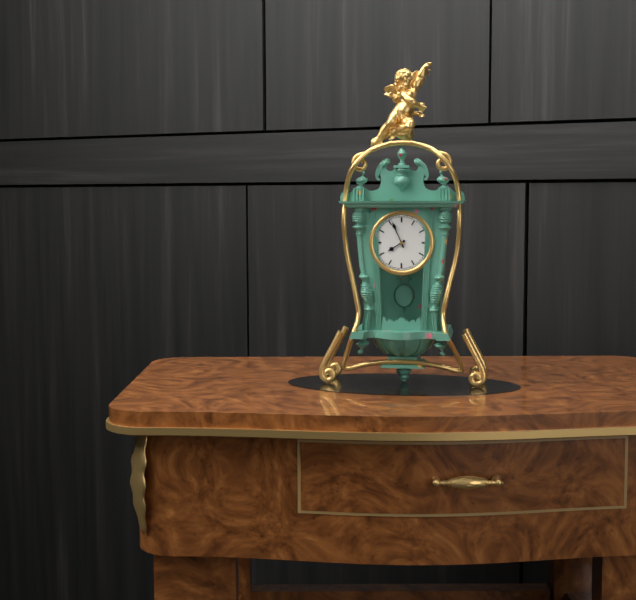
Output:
7,56
